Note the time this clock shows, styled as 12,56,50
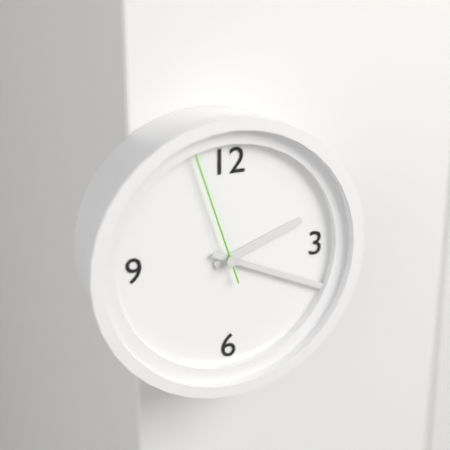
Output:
2,19,57
